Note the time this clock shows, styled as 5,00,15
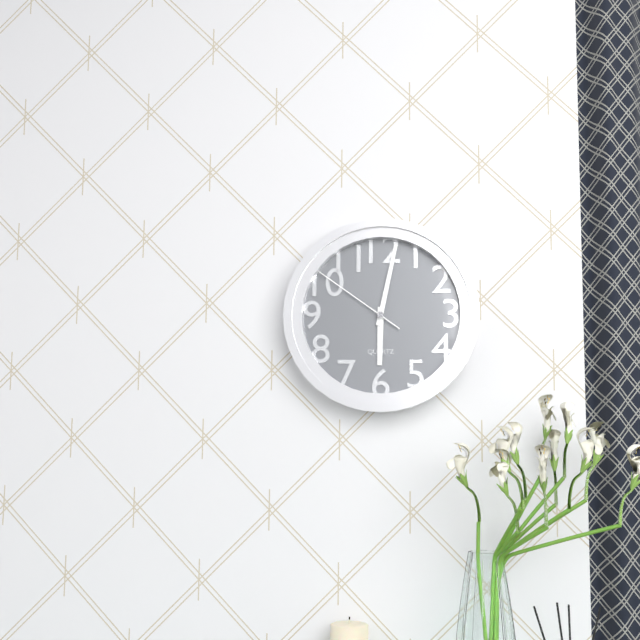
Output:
6,02,51
